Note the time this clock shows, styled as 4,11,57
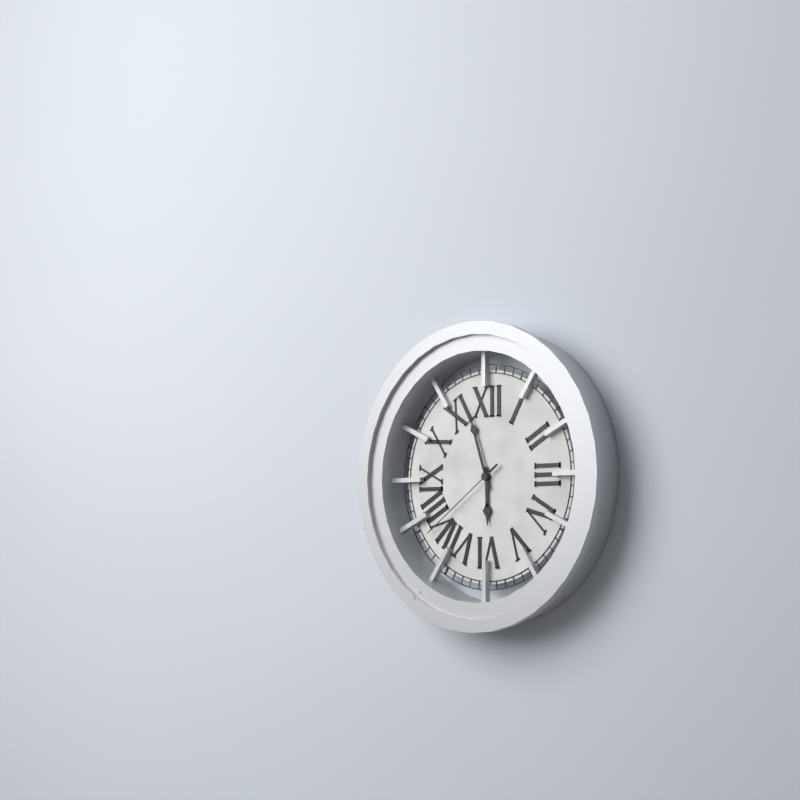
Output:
5,57,39
